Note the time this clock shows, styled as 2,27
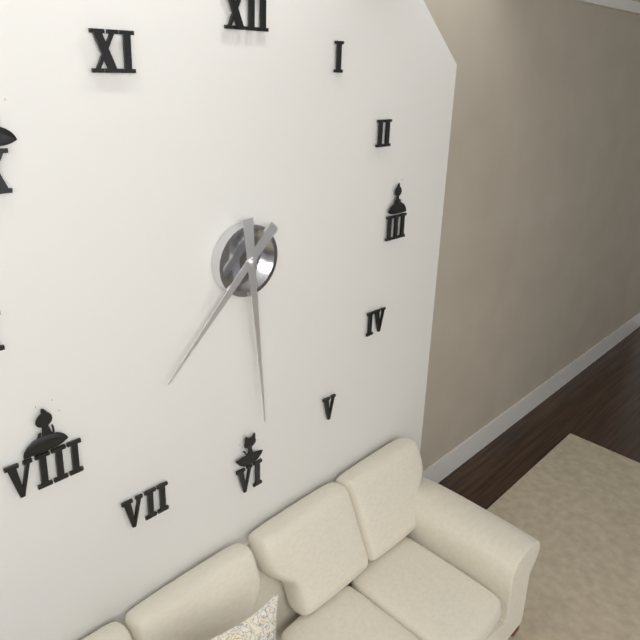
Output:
7,29
